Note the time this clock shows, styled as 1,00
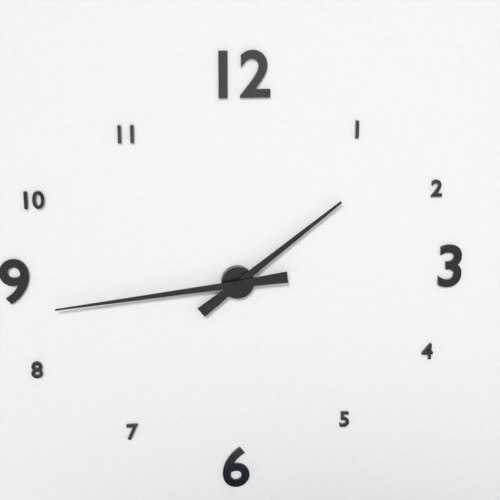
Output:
1,44
